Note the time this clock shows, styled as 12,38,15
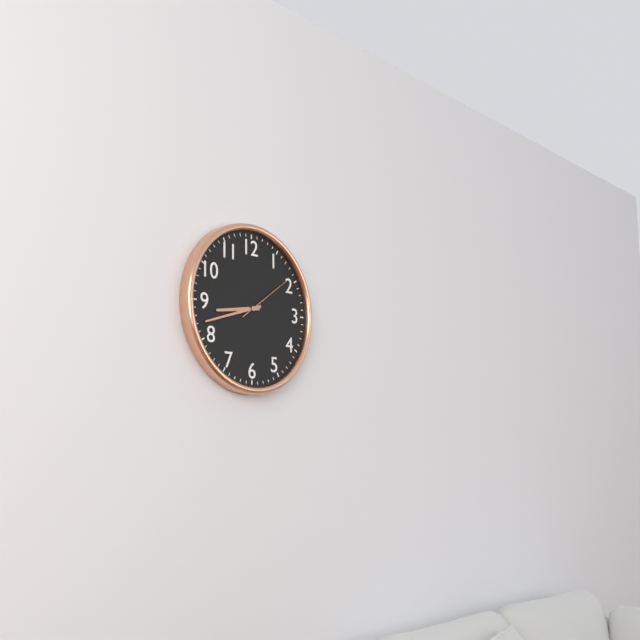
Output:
8,42,09
